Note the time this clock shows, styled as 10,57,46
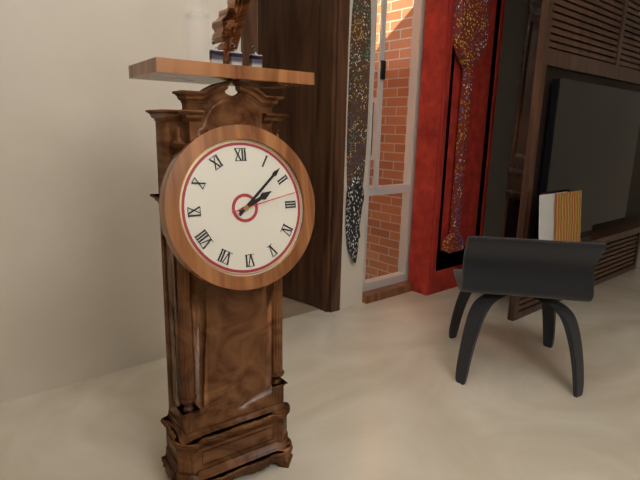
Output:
2,08,13
